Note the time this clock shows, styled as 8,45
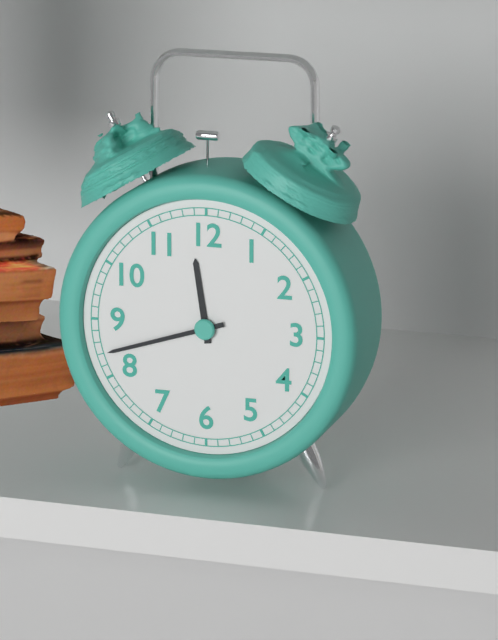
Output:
11,42
